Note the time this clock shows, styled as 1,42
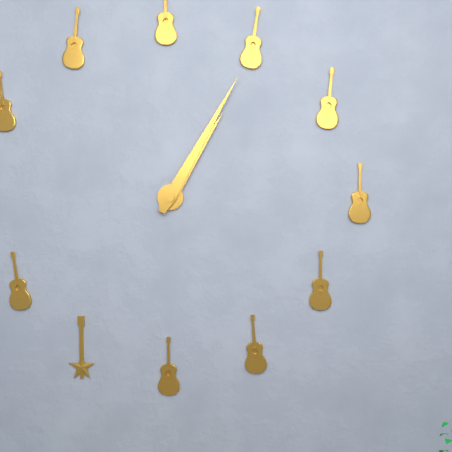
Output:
1,05
